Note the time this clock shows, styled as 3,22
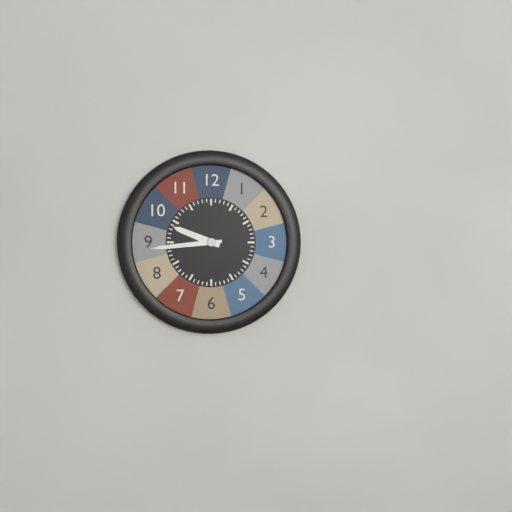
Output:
9,44
